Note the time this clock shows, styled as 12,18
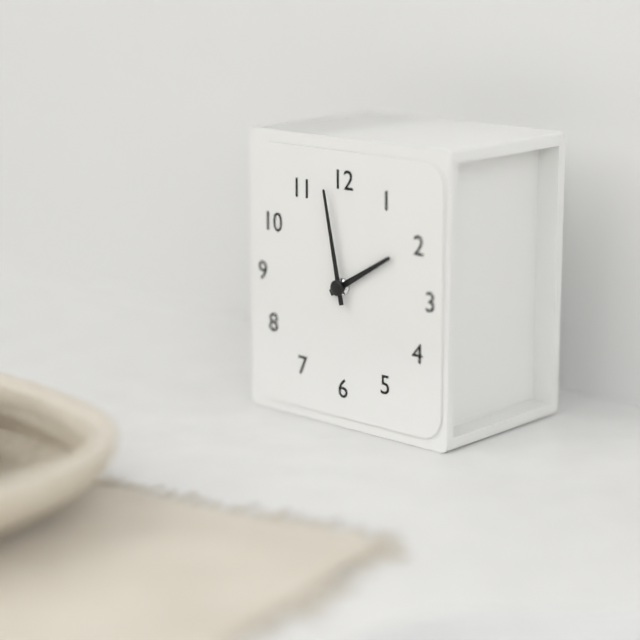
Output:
1,58
